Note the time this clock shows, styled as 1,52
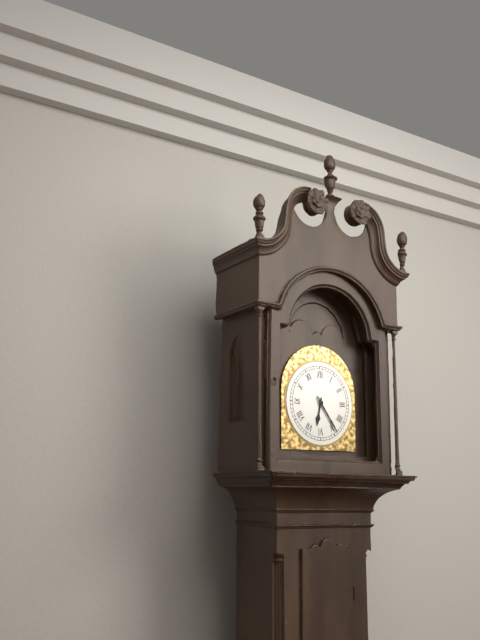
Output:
6,24
